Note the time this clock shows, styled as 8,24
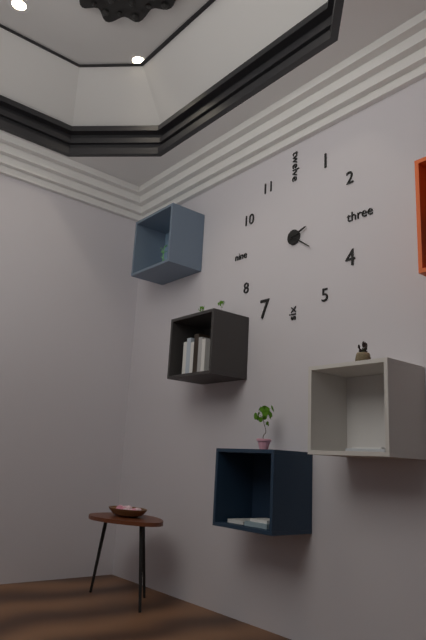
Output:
2,21
